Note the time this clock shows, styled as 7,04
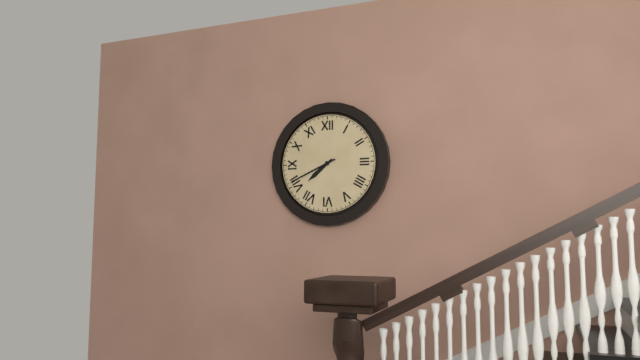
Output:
7,41
